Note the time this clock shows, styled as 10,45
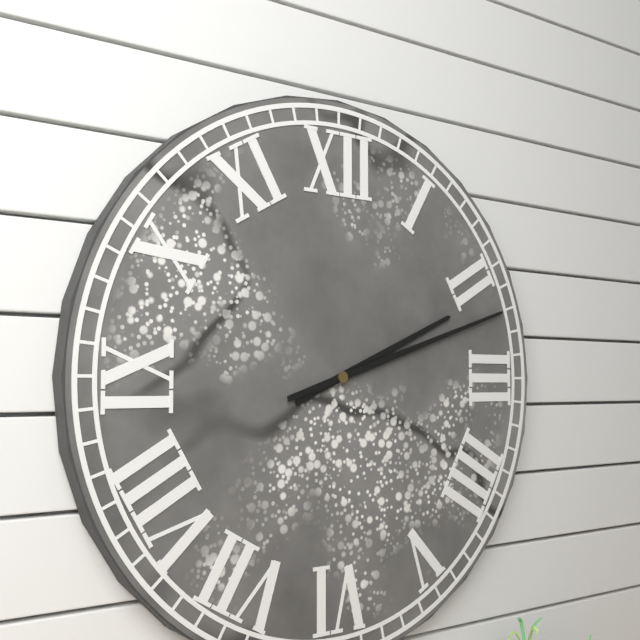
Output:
2,12
